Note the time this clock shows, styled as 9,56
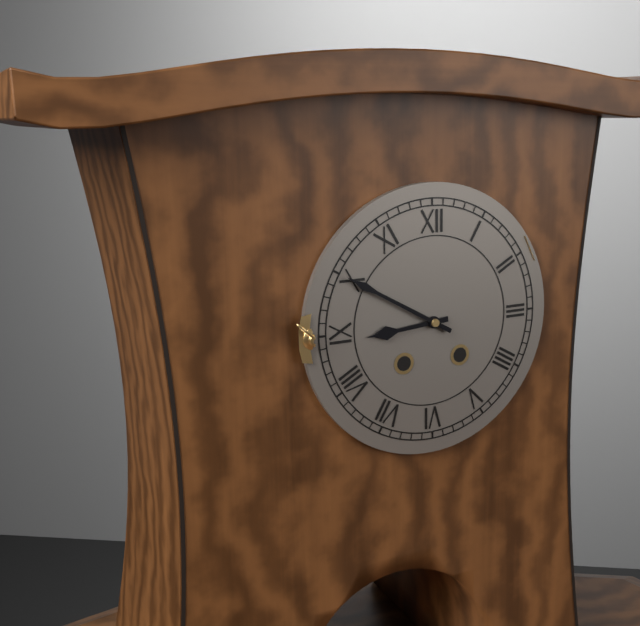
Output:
8,50
